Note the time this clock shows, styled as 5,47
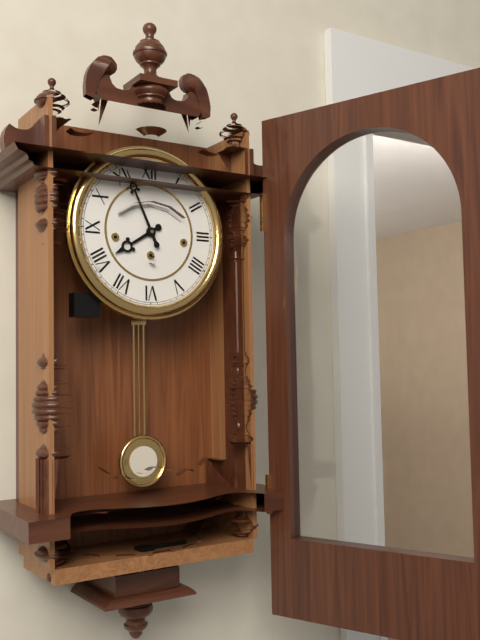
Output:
7,56
